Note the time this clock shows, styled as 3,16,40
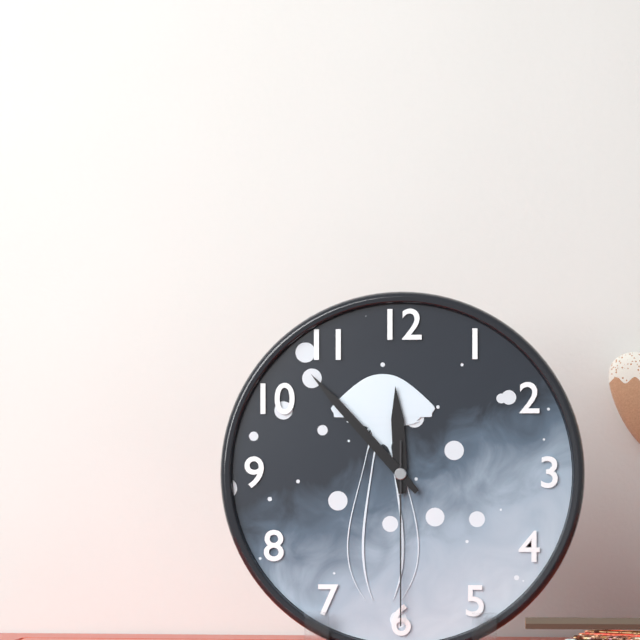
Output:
11,53,30
